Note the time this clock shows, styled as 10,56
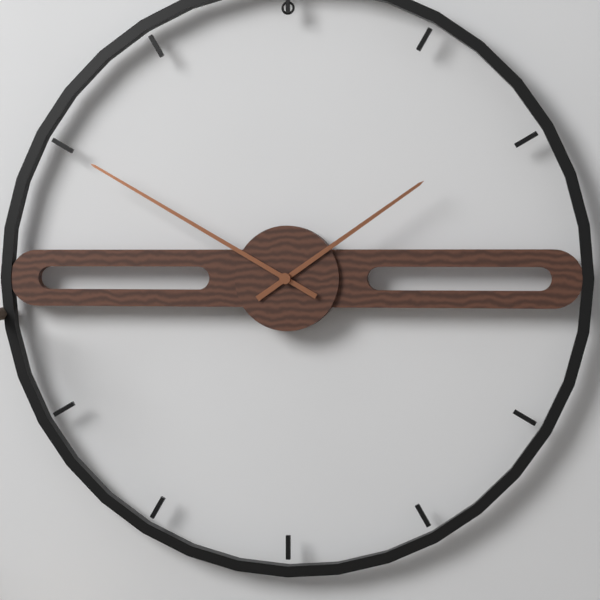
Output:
1,50
